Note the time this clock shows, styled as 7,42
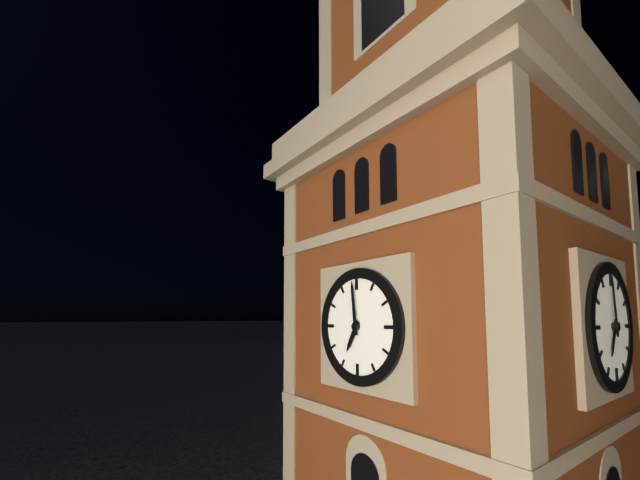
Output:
6,59
